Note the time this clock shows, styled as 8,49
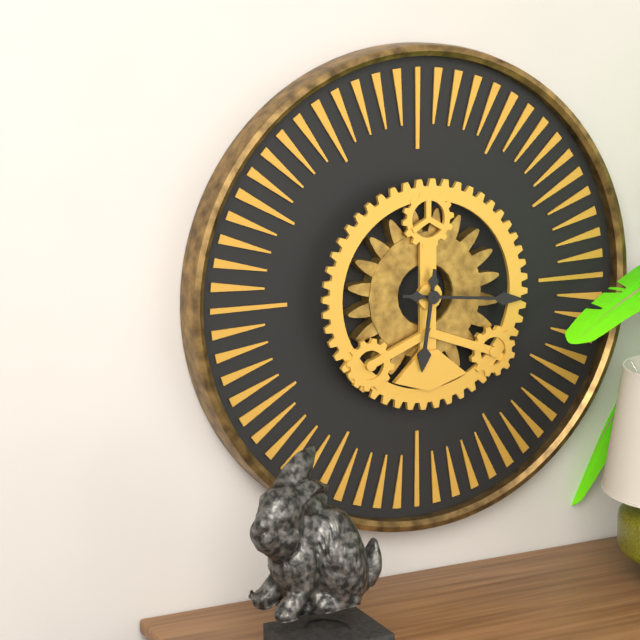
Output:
6,16
